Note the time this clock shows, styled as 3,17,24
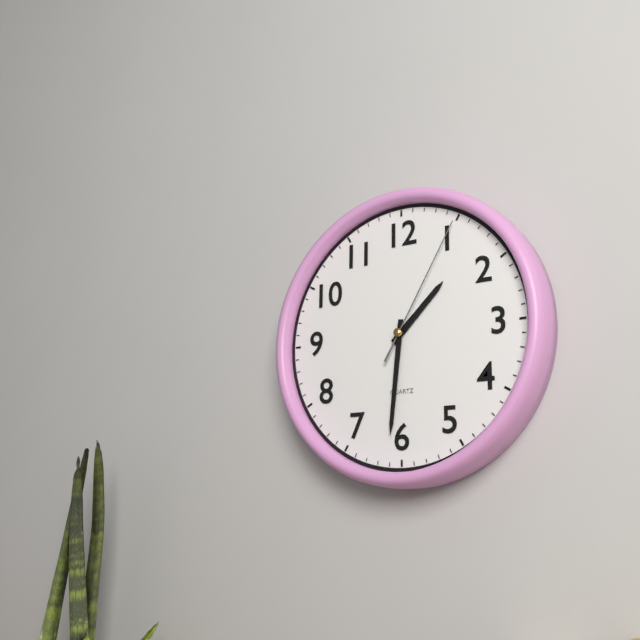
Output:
1,31,05
